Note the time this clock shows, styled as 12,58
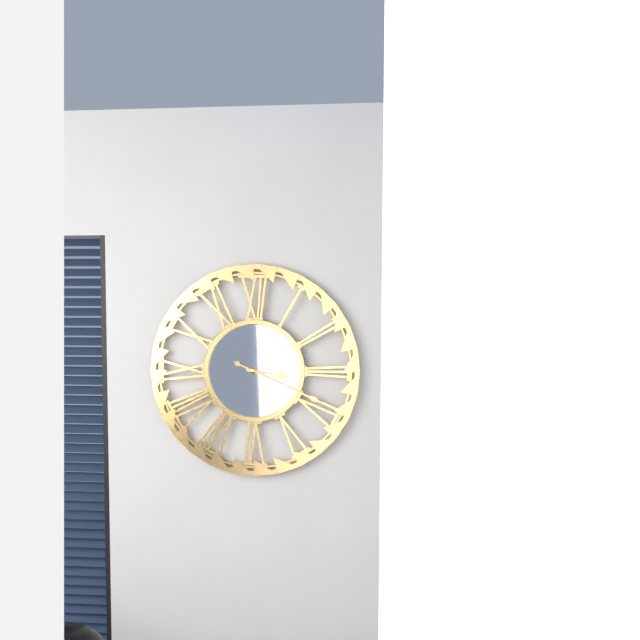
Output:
3,19
